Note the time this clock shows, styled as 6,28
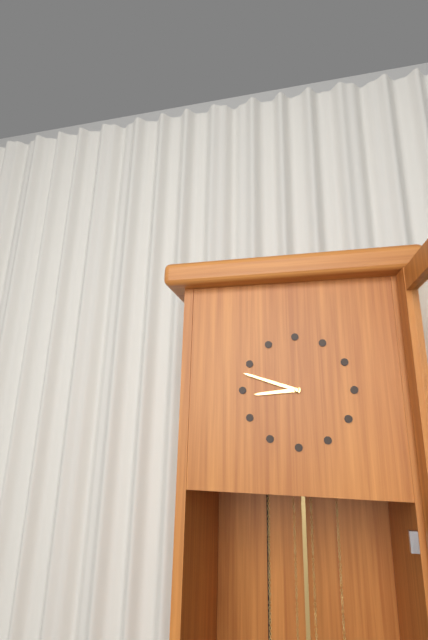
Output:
8,48
